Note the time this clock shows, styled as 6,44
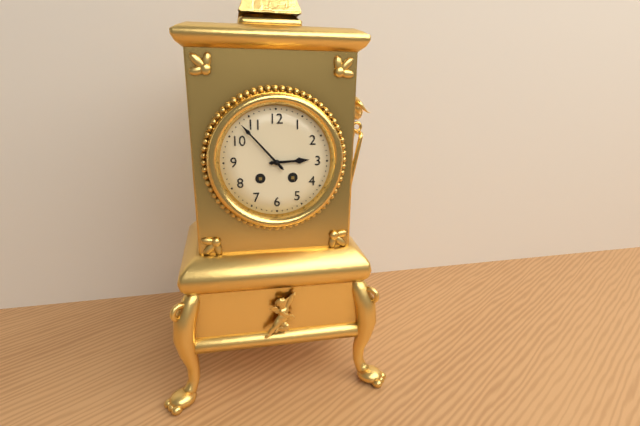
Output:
2,53
